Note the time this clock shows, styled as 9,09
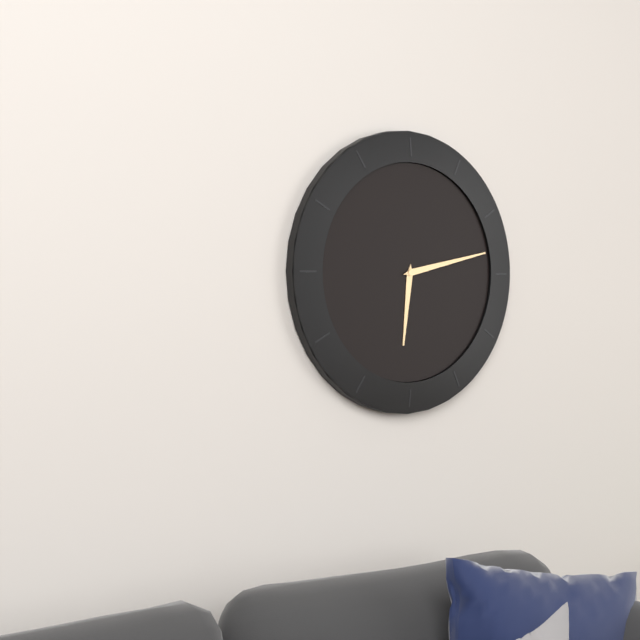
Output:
6,13
